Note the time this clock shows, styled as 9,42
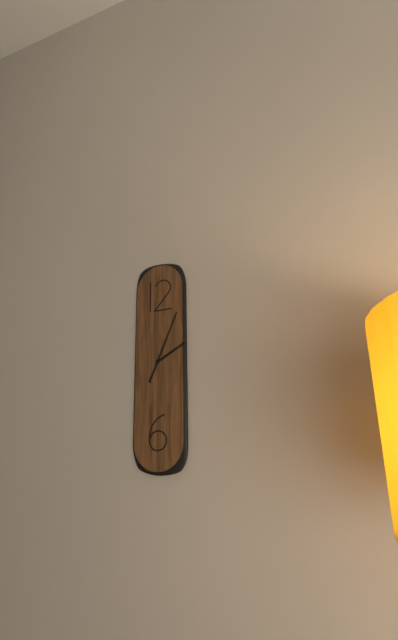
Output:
2,04
